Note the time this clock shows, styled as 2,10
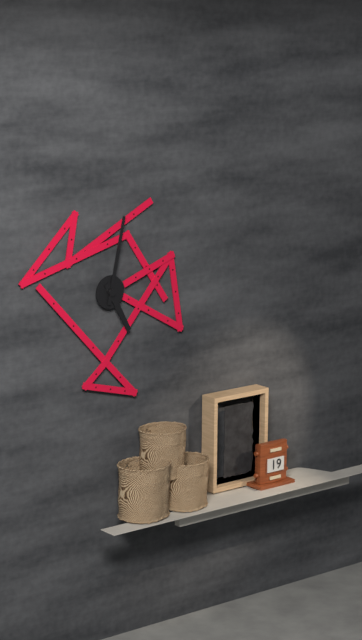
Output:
5,02
